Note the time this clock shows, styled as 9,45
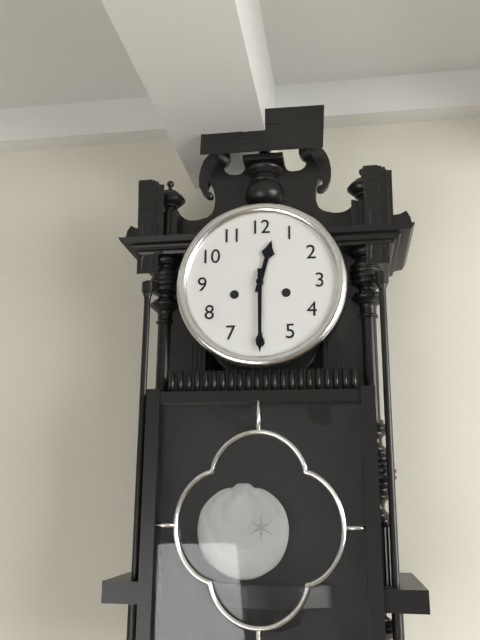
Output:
12,30
